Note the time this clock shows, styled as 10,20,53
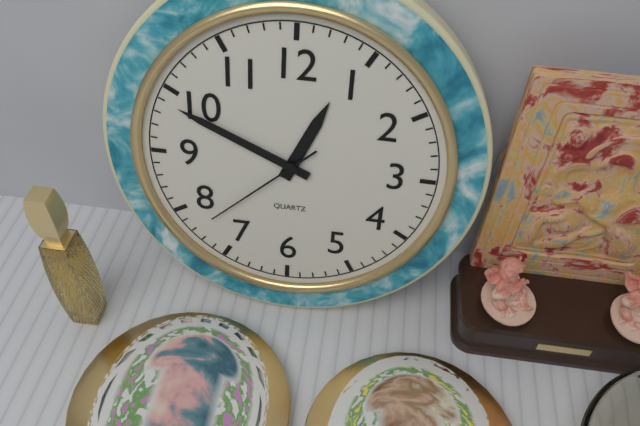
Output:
12,49,38
